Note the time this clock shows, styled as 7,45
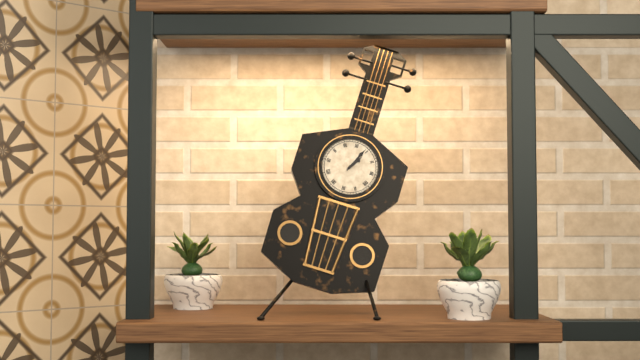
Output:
1,04
